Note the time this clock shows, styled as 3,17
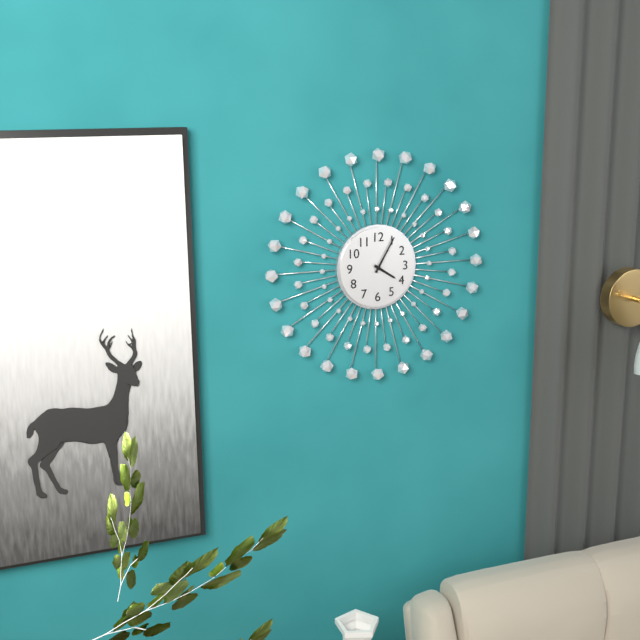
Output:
4,05
